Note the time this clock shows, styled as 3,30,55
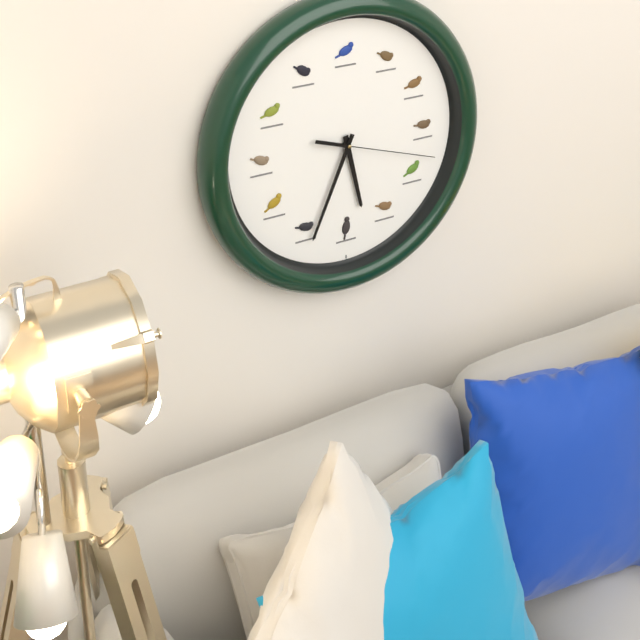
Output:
5,34,18
